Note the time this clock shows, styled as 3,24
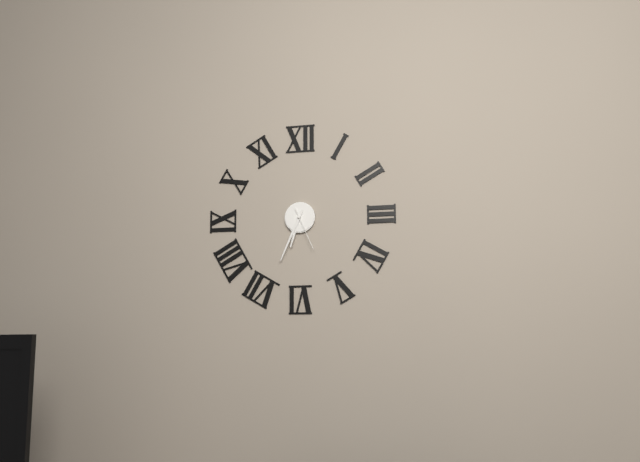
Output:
6,34
